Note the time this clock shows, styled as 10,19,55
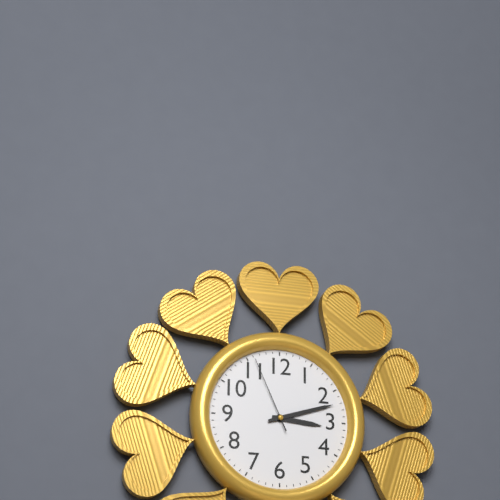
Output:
3,12,56
